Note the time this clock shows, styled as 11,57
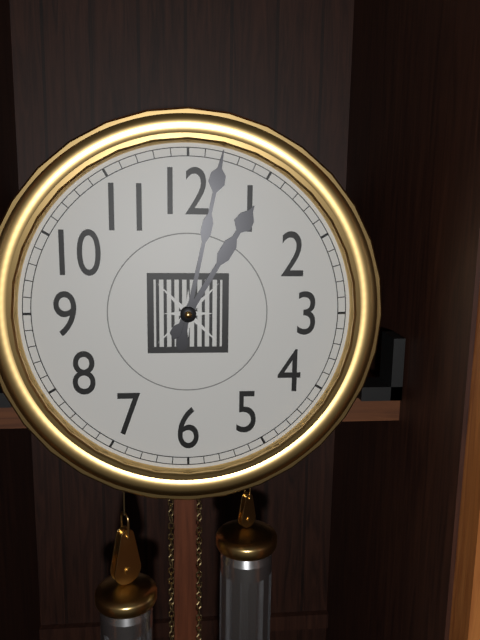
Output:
1,02
